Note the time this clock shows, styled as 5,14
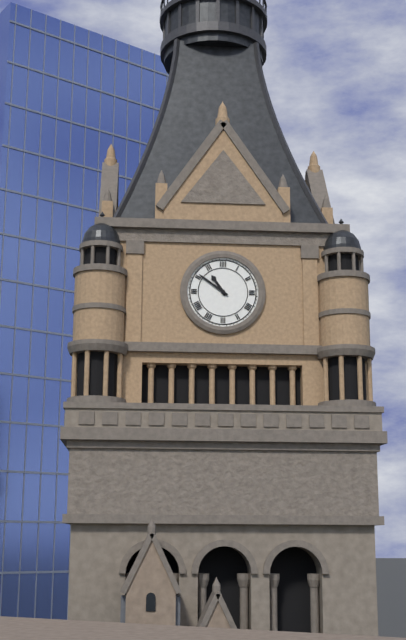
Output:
10,51
